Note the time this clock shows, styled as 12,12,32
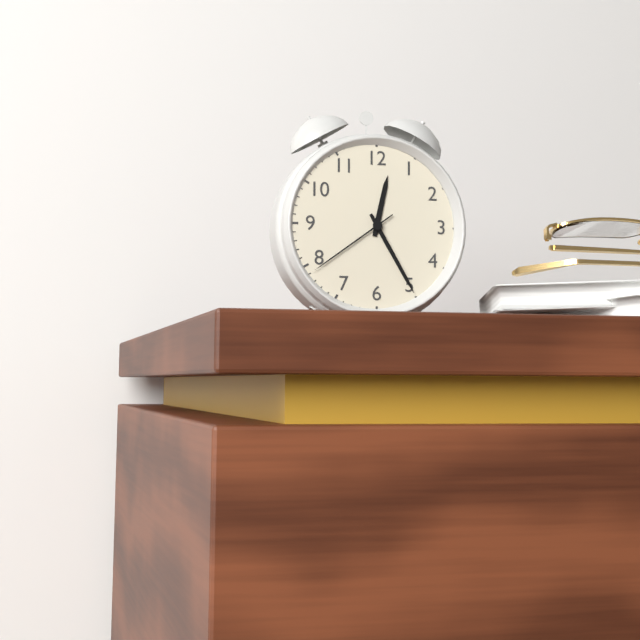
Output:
12,25,39
